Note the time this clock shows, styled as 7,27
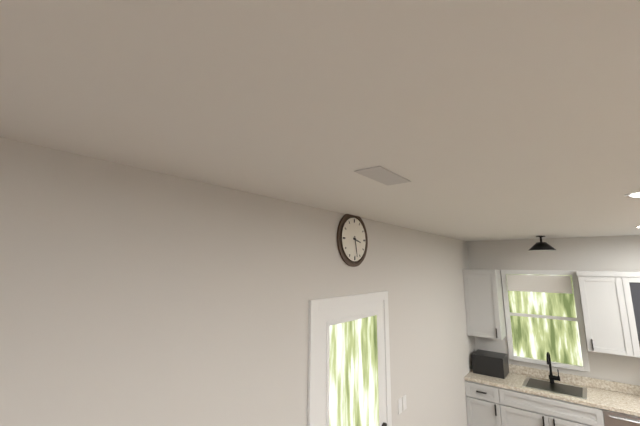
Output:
3,28
